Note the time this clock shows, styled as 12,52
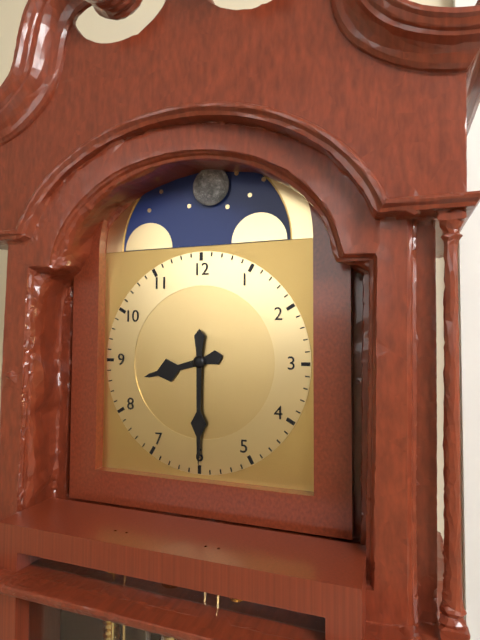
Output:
8,30
